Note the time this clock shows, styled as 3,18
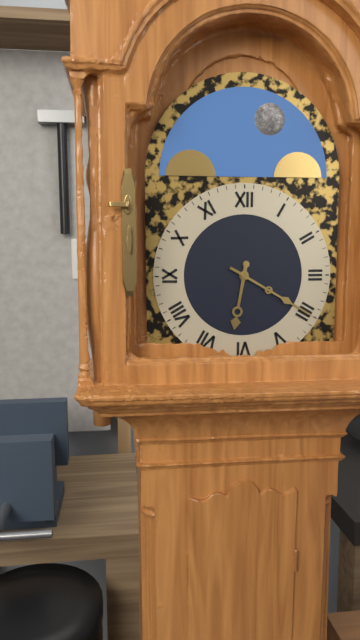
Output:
6,20
